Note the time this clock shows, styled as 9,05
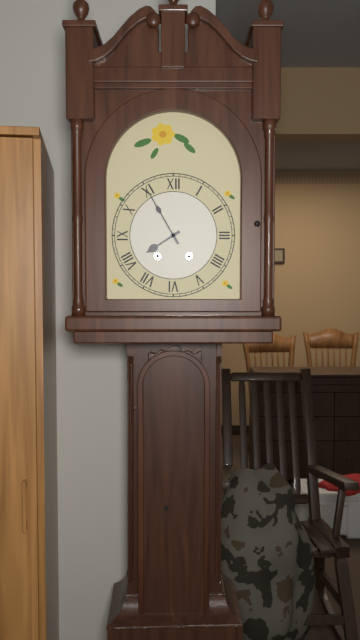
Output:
7,55
